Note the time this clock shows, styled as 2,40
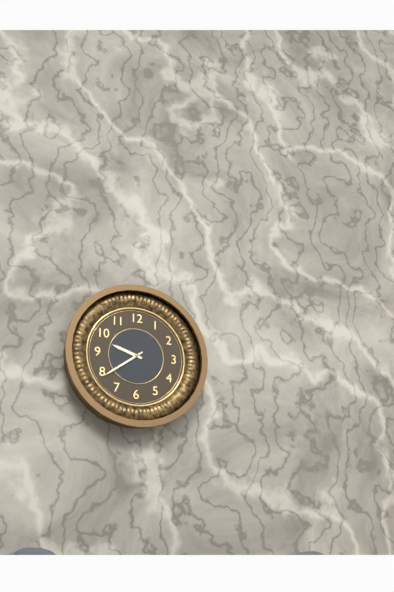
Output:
9,39
